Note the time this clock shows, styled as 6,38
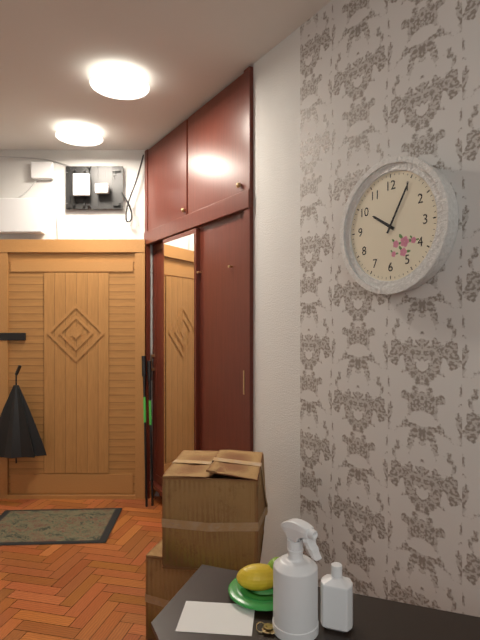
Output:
10,05
